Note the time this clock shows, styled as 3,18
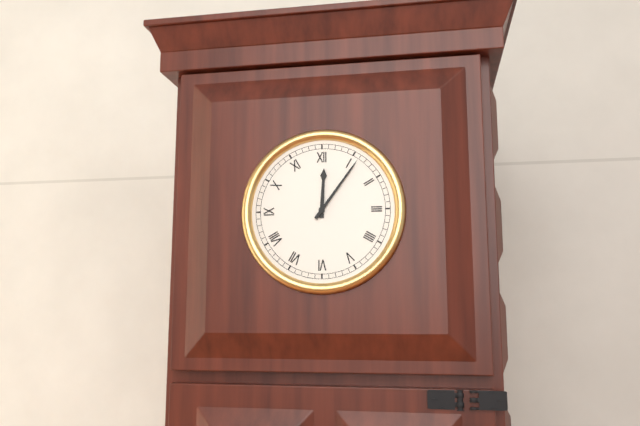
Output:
12,06
